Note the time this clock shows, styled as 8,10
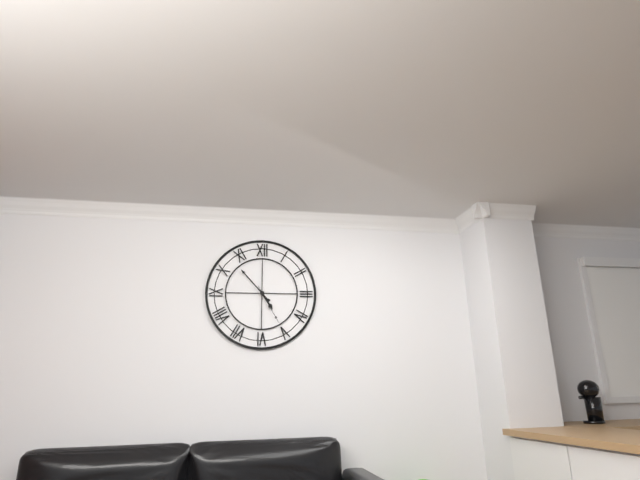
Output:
4,53
